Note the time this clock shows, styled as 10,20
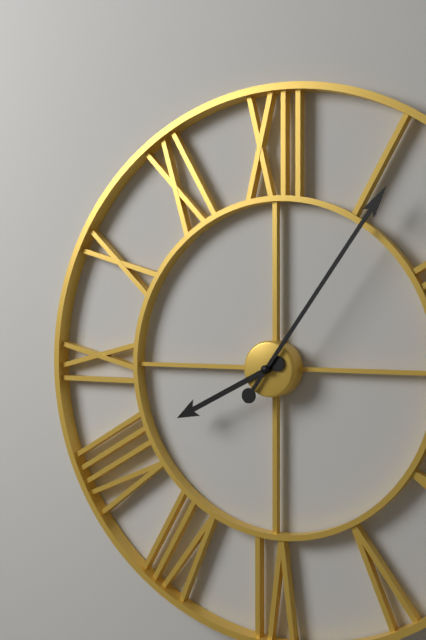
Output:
8,06
